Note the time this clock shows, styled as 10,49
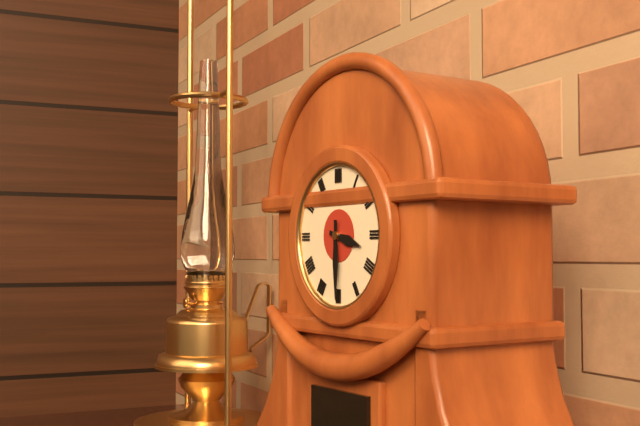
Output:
3,30
